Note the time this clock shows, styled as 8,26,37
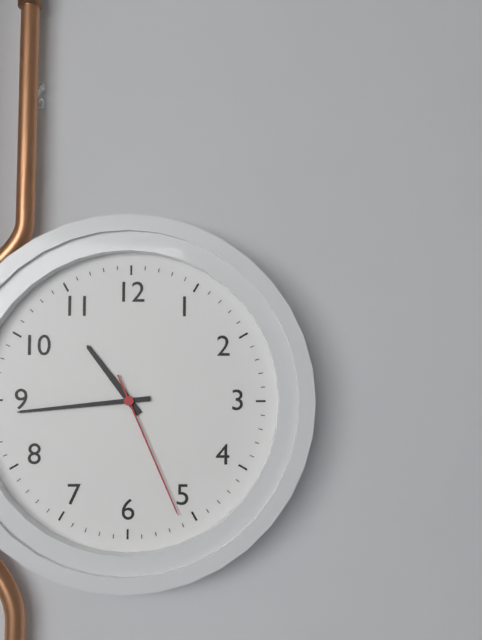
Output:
10,44,26
